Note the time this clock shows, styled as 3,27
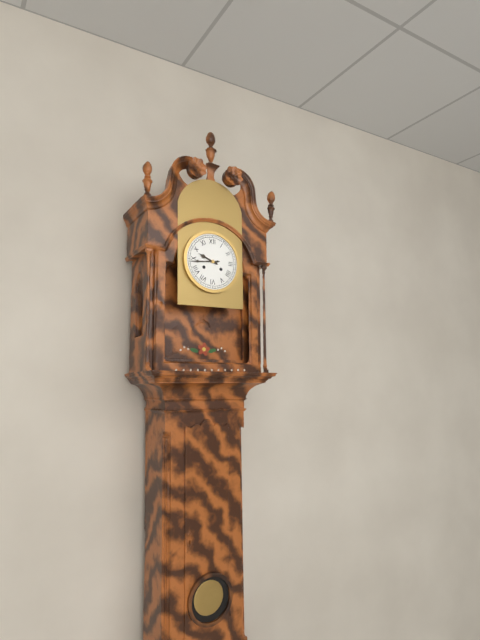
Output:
9,44
